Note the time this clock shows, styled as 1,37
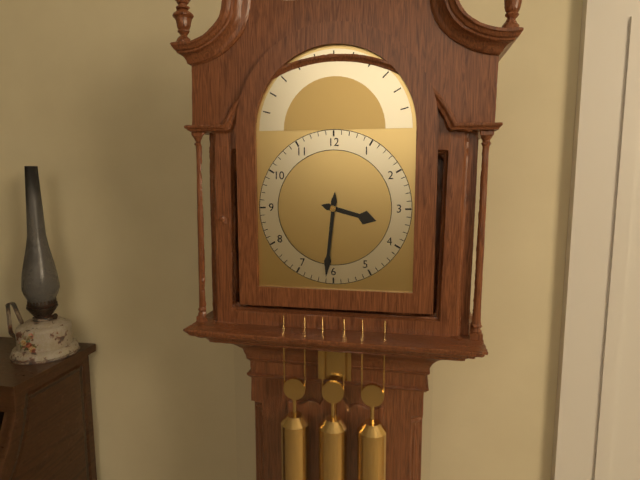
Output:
3,31
